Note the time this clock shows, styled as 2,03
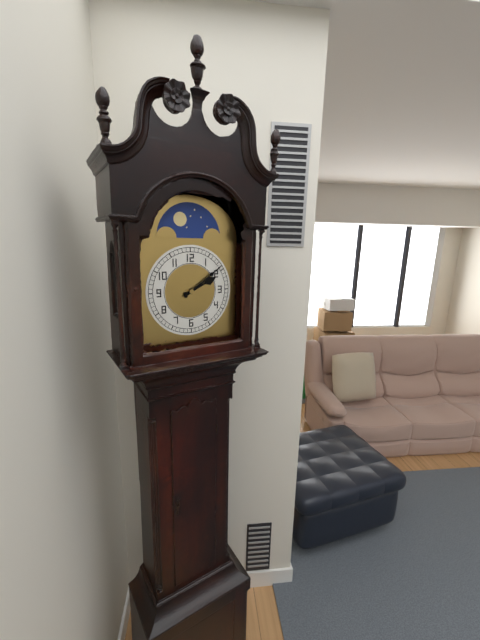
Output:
2,09
